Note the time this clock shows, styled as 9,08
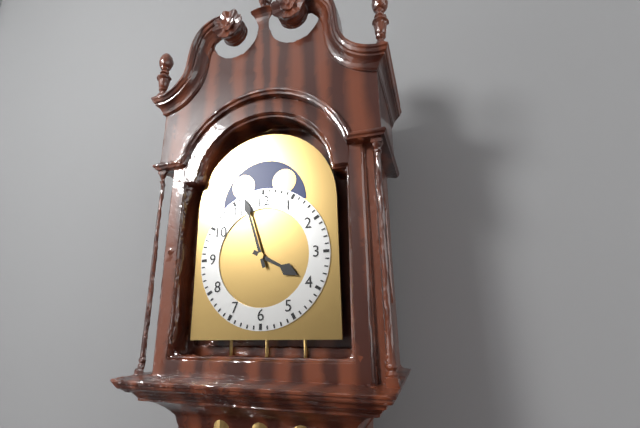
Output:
3,57
